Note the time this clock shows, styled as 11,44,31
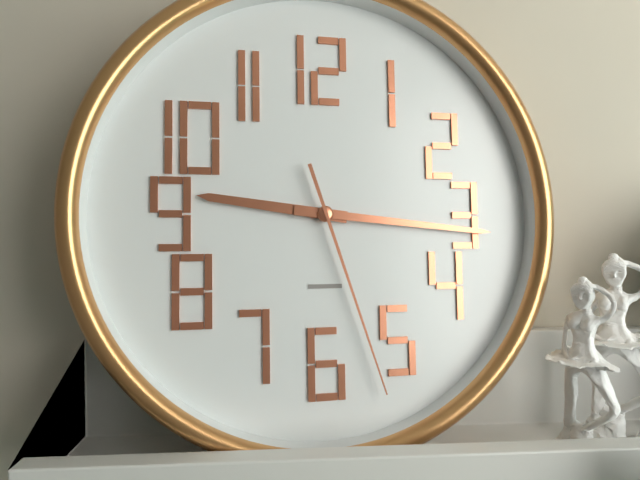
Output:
9,16,27
